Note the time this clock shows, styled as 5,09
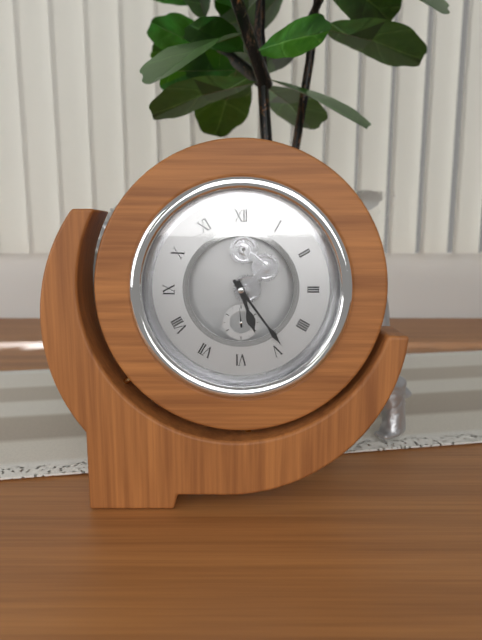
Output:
5,24
